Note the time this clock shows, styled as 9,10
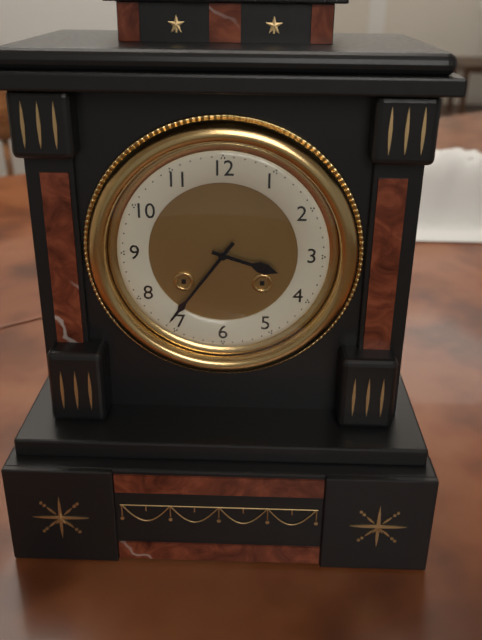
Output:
3,36
